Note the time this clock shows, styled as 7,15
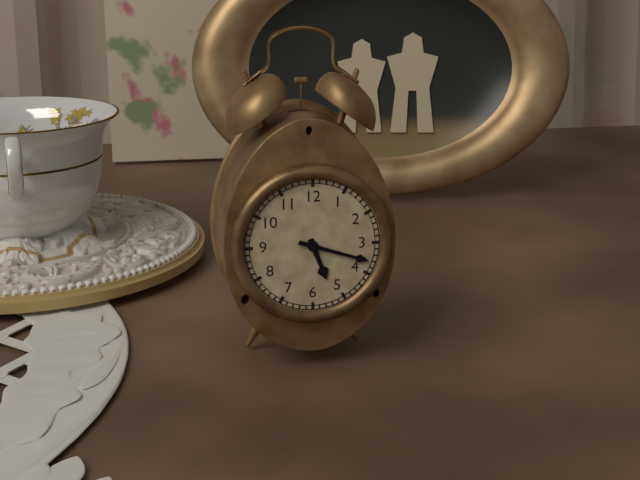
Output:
5,18
